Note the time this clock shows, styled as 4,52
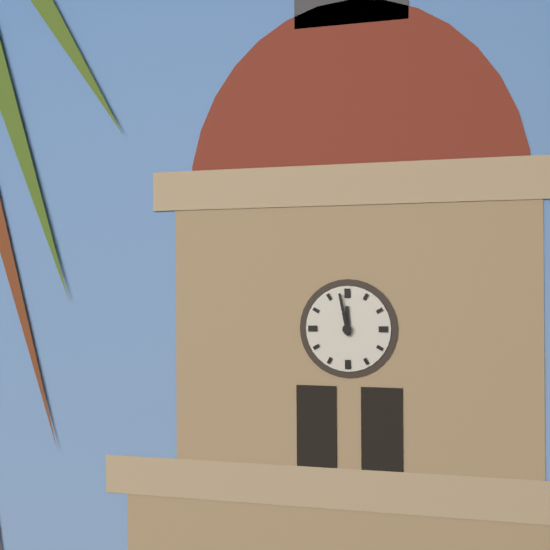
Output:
11,58
